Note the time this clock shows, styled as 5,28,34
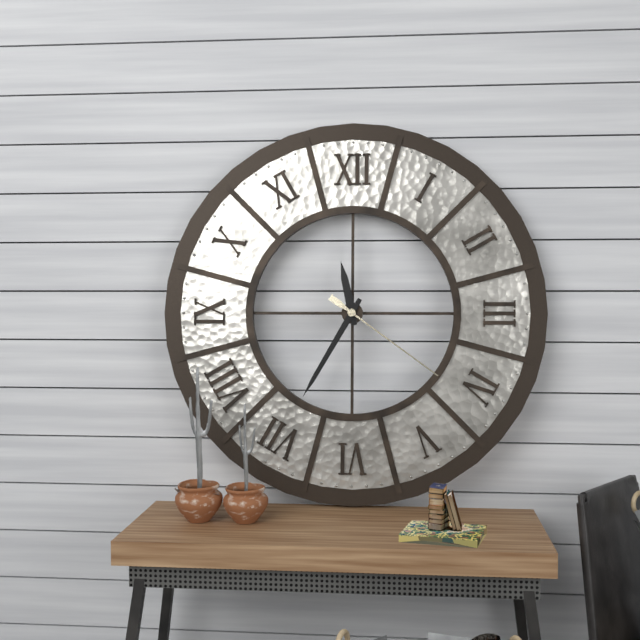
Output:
11,35,21
